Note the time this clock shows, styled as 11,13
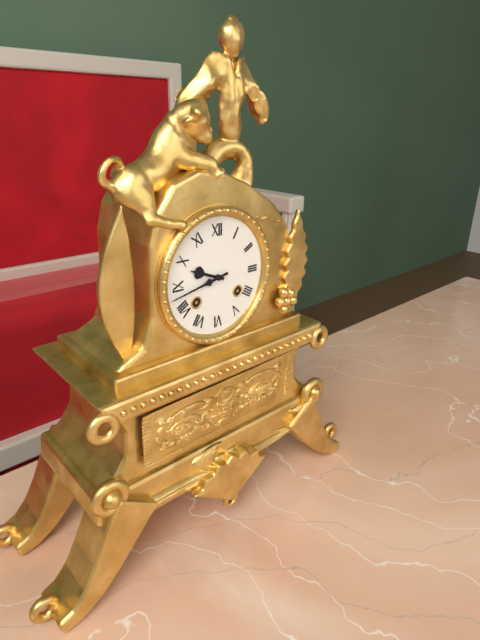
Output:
9,43
